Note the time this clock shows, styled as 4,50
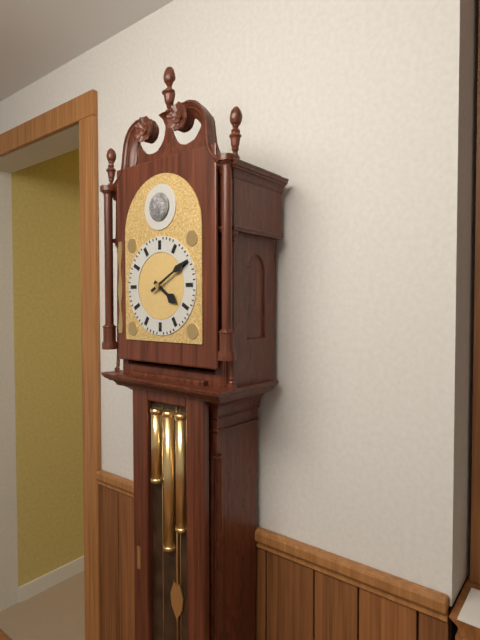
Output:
4,10
